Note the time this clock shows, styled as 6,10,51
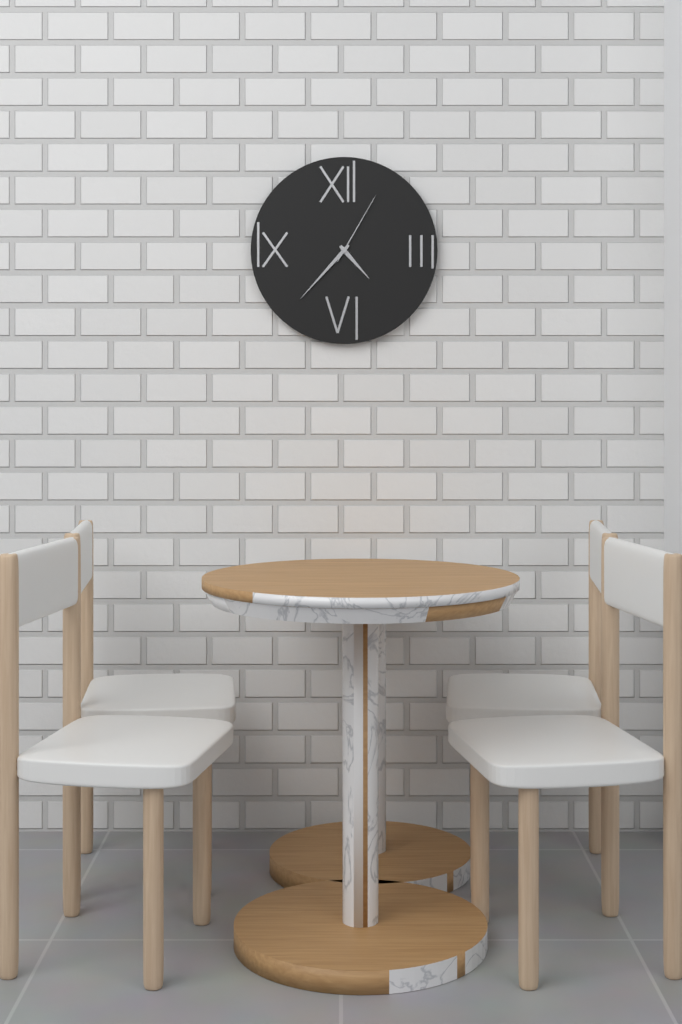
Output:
4,37,05
